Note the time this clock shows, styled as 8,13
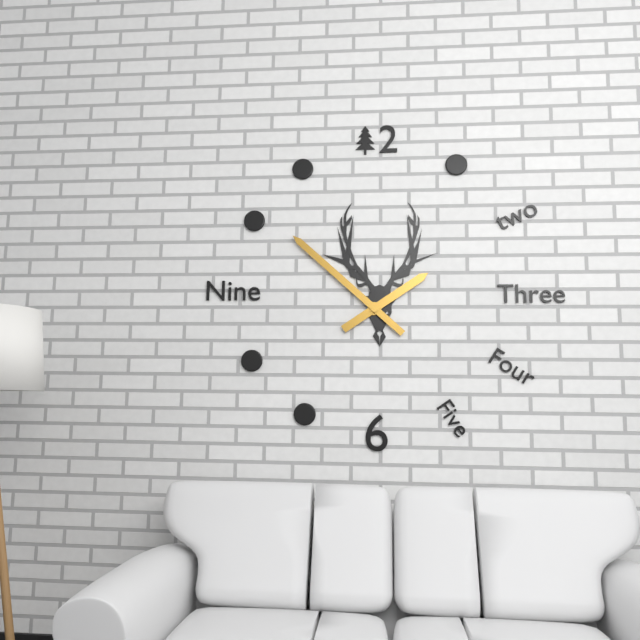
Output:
1,52
